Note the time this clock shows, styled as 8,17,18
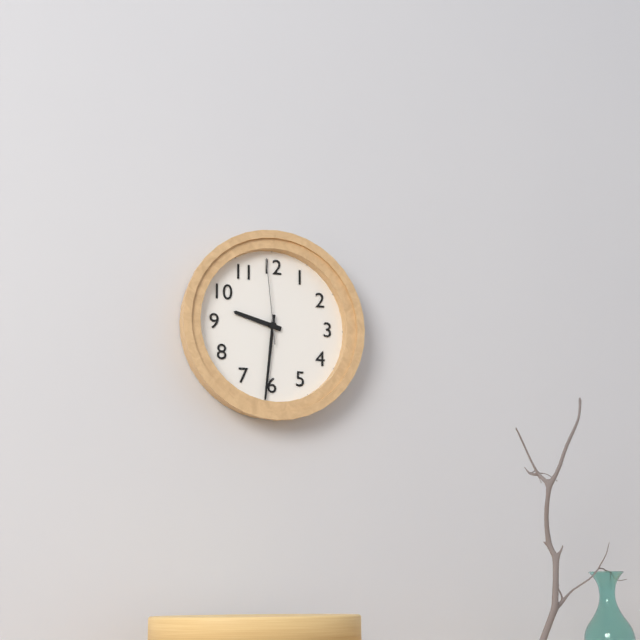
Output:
9,31,59
